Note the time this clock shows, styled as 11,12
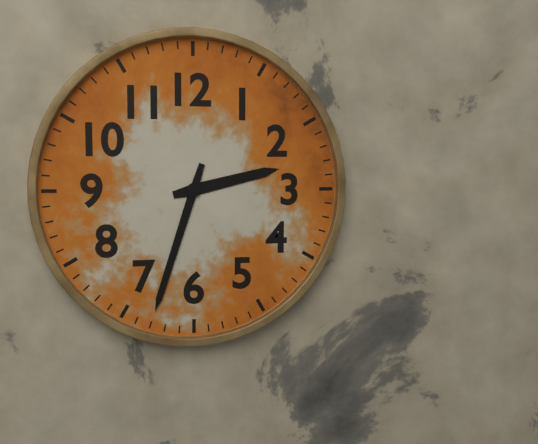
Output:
2,33
